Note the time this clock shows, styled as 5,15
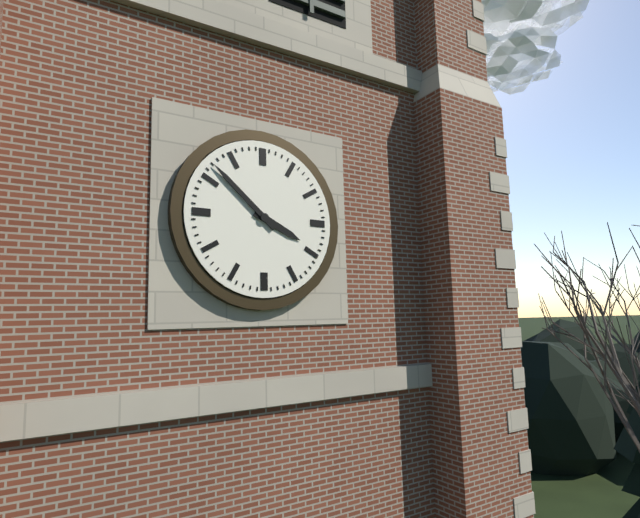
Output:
3,52
